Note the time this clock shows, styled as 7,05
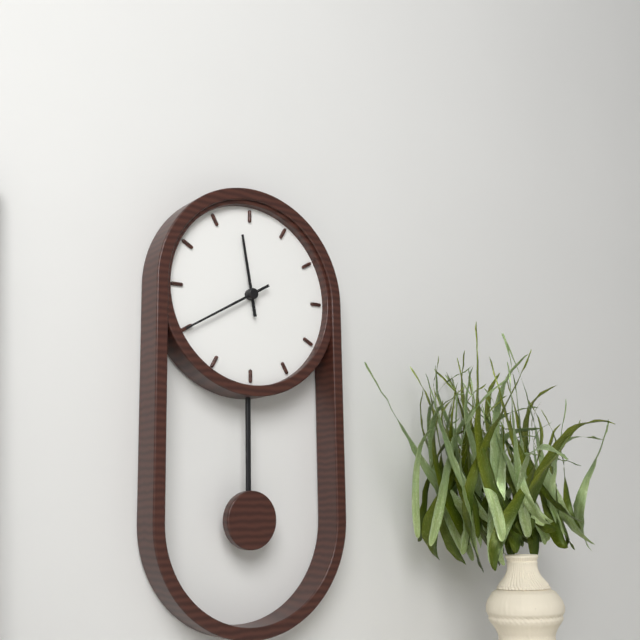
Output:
11,40
